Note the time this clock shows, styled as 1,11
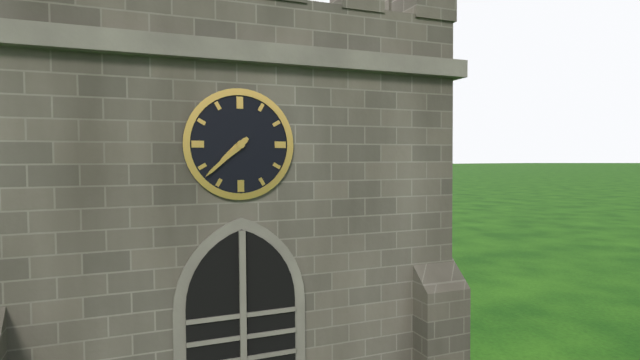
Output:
7,38
